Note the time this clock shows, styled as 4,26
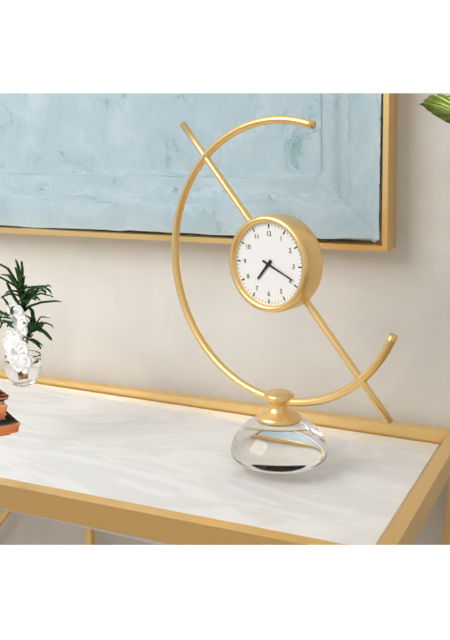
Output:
7,19
